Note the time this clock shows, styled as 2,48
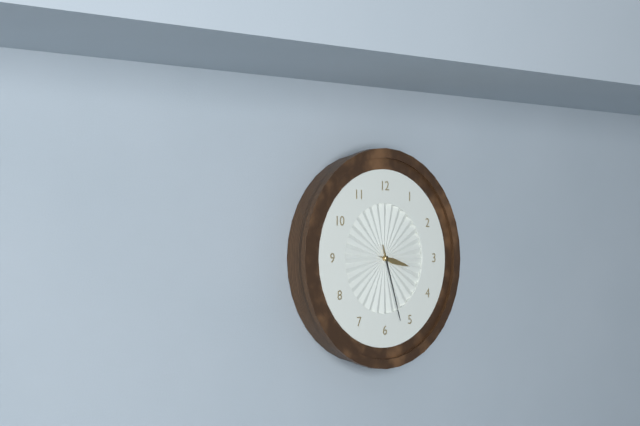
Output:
3,27
